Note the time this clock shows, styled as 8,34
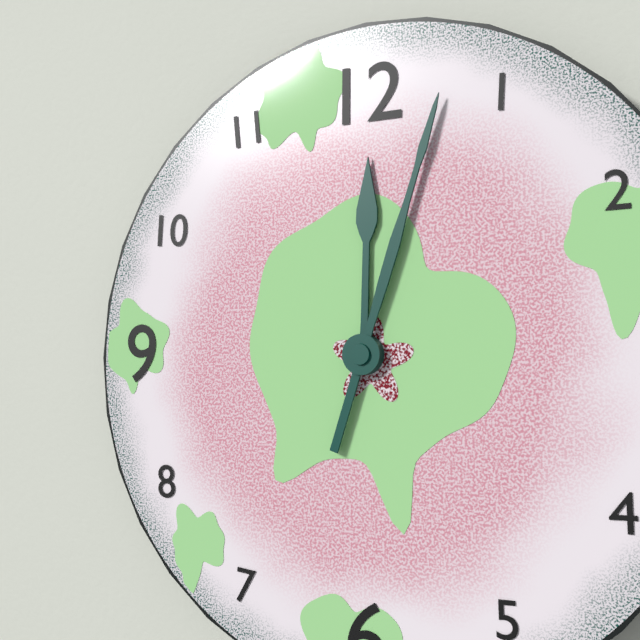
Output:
12,03
